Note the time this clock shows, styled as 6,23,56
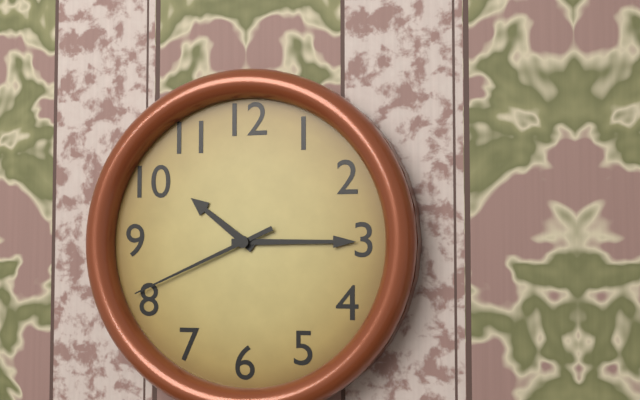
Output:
10,15,41
